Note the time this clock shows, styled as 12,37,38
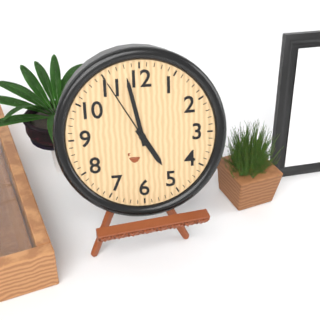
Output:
4,58,55
